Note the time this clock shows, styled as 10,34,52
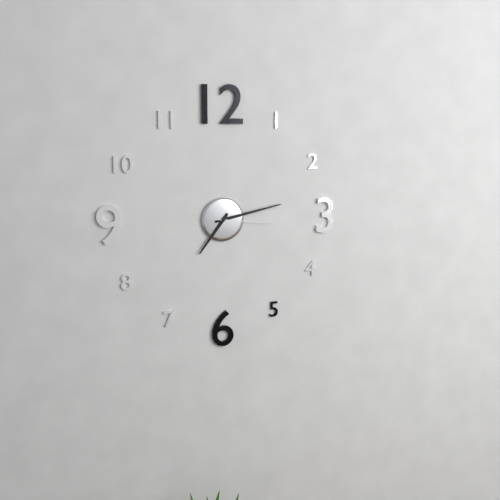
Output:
7,13,16
